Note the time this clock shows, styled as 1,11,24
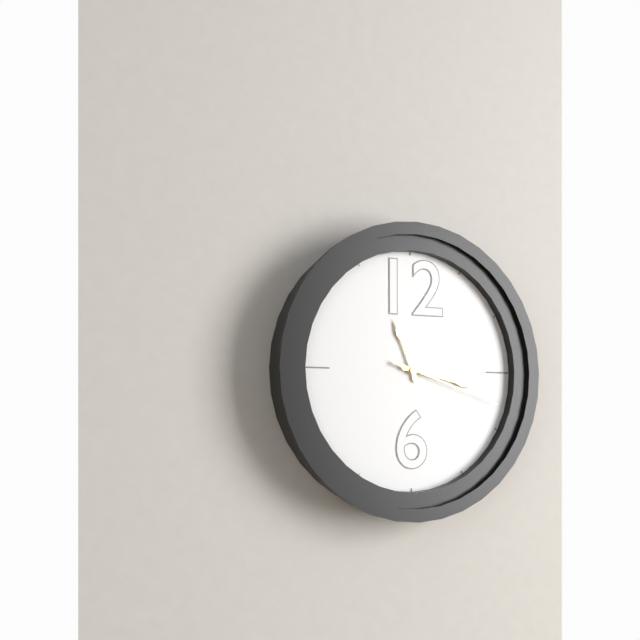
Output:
11,17,18
